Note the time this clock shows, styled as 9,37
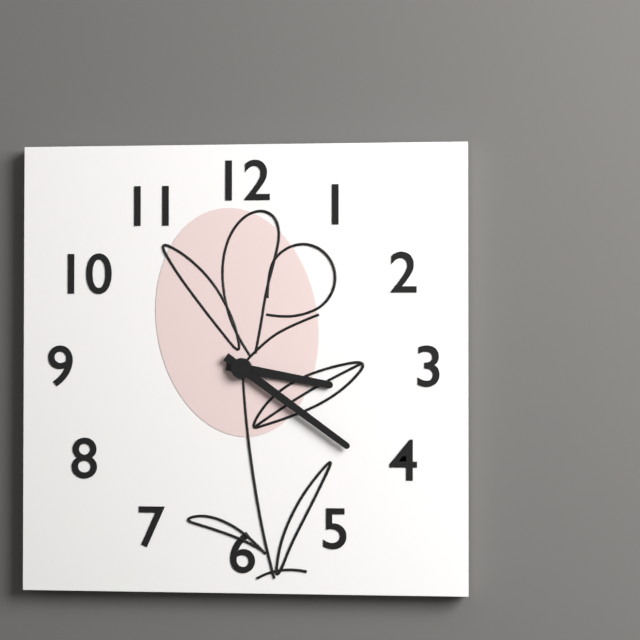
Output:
3,21
